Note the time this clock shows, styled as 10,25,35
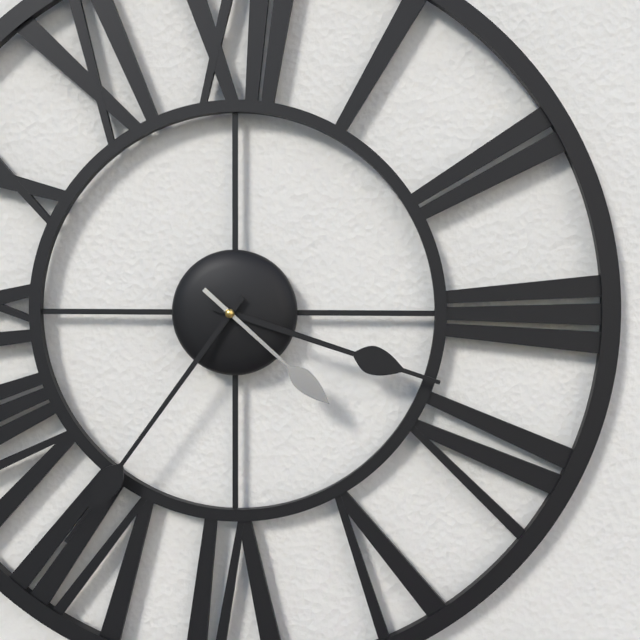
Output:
3,36,22
